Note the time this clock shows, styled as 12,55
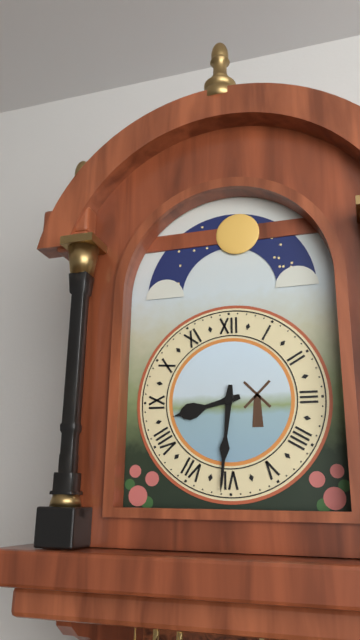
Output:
8,31
